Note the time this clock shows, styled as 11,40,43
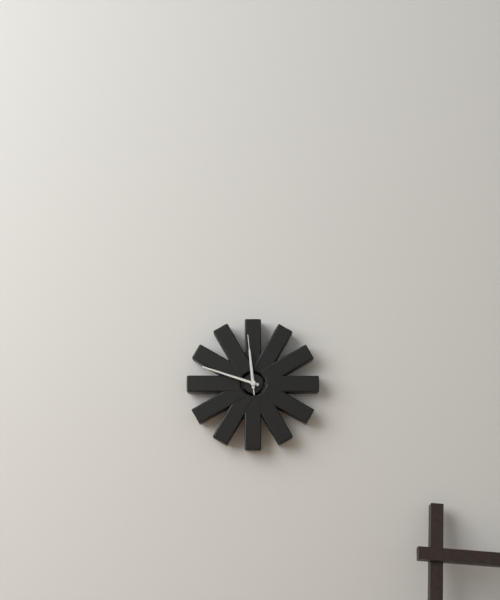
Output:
11,48,59
